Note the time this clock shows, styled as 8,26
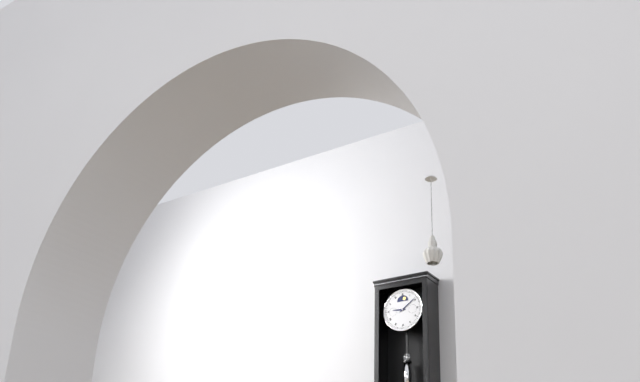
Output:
9,09
